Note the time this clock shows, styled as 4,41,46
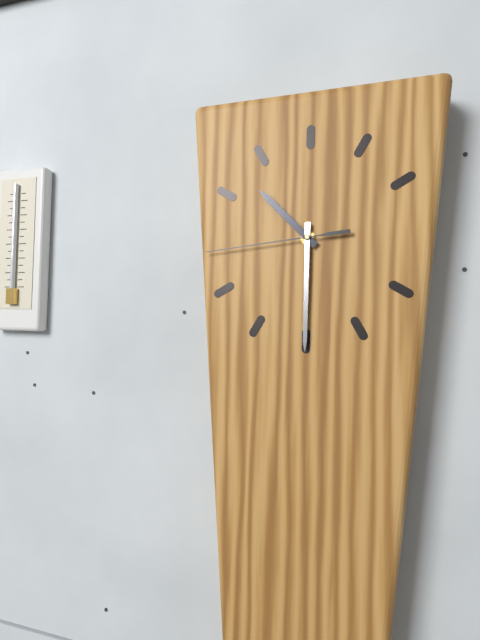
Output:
10,30,44
